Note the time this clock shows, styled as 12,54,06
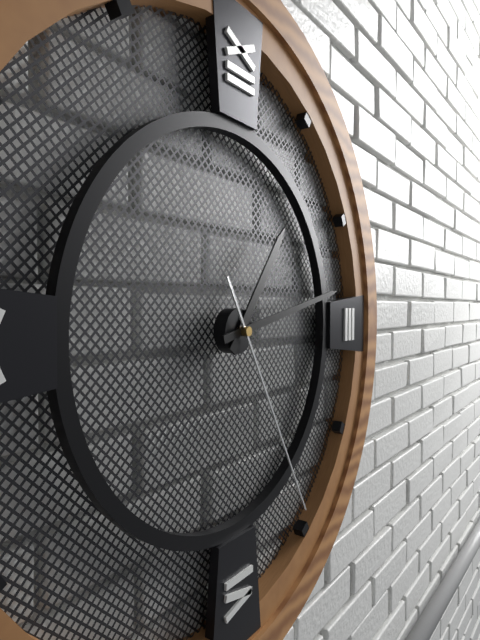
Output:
1,13,25
